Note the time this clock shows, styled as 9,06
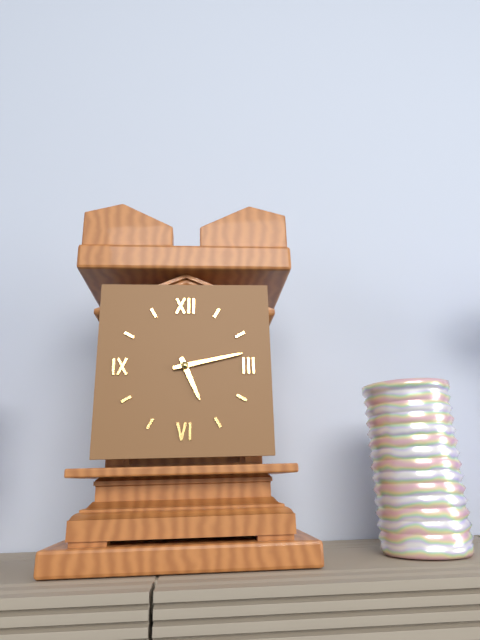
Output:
5,13
